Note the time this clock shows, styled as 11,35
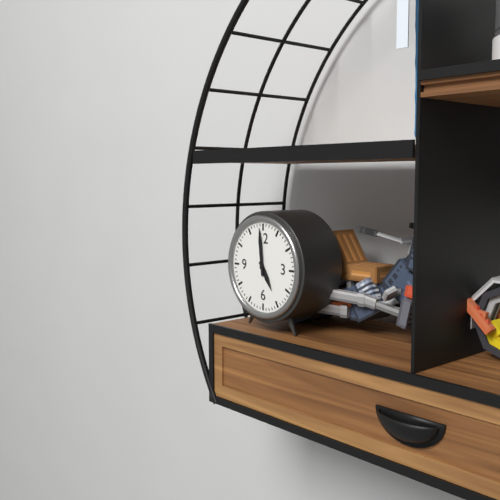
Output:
4,59
